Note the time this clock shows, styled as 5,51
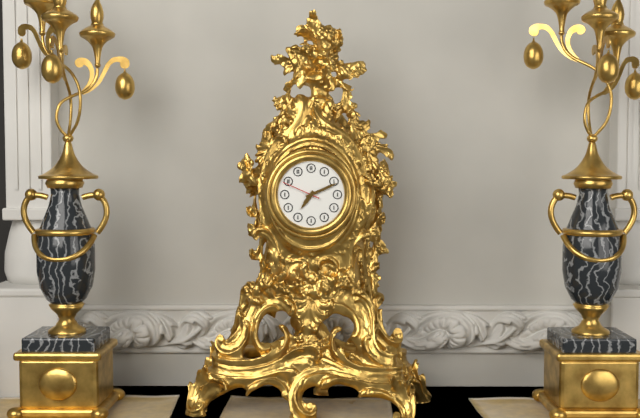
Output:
7,11
